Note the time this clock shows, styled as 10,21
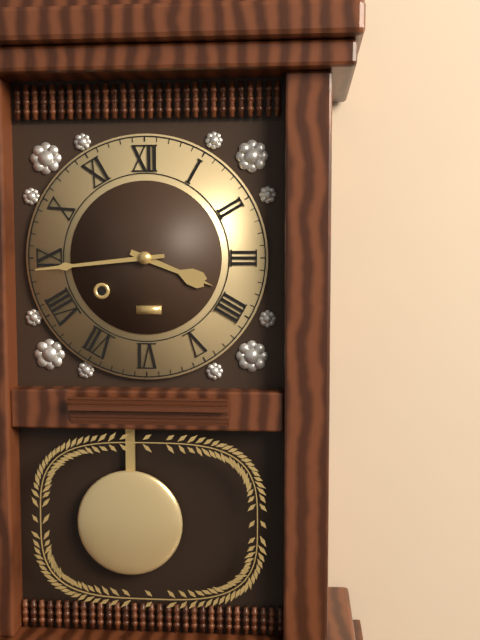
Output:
3,44
